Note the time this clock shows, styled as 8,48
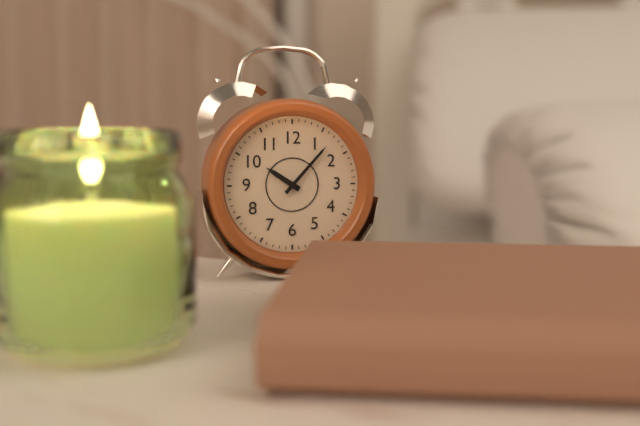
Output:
10,07
